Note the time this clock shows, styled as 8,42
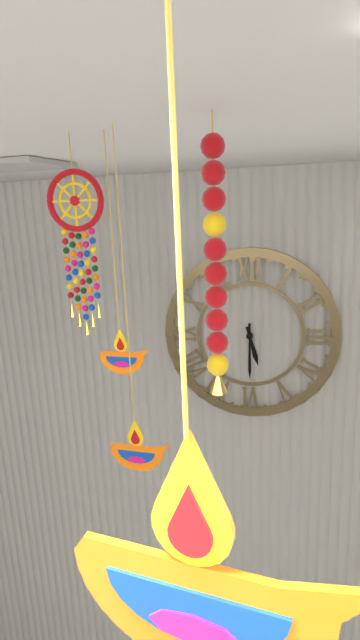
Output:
5,30
